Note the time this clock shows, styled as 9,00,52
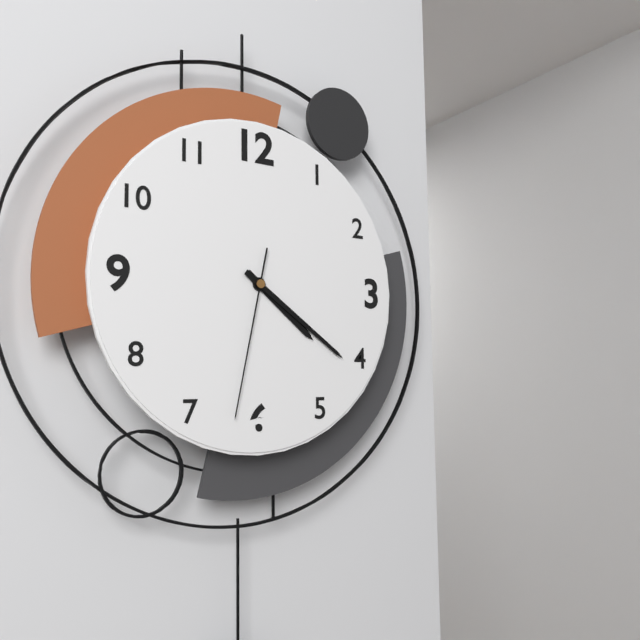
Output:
4,21,32
